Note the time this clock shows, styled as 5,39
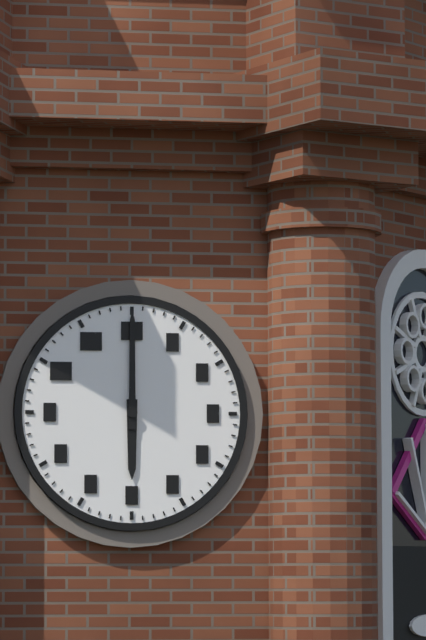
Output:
6,00
